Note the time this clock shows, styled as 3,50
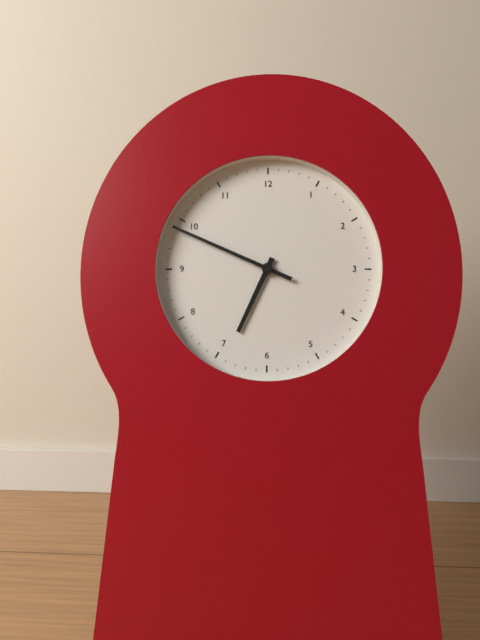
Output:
6,49
